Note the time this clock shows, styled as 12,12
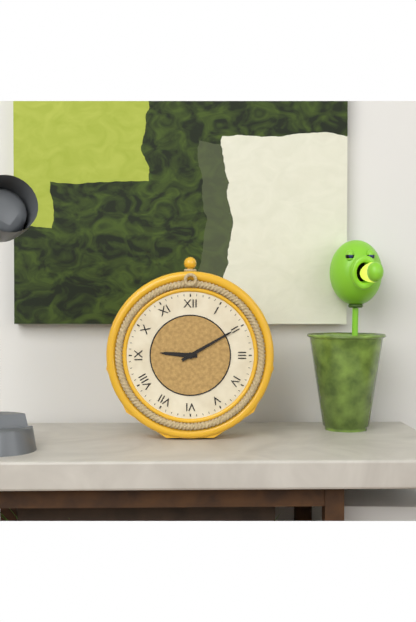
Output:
9,10
